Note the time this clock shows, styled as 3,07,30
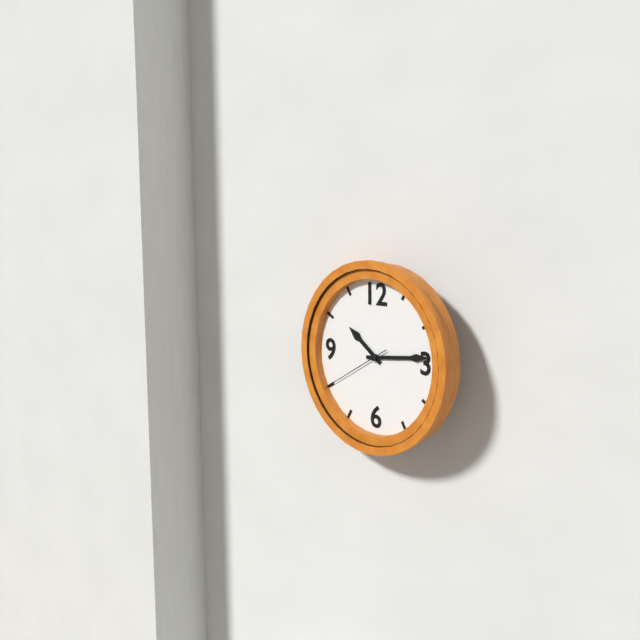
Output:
10,14,40
